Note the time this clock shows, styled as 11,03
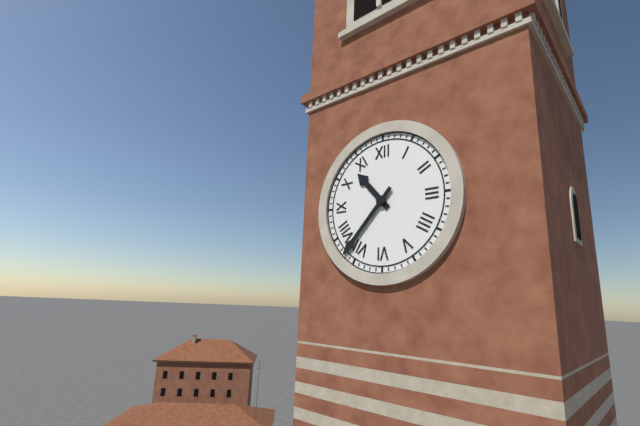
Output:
10,37
